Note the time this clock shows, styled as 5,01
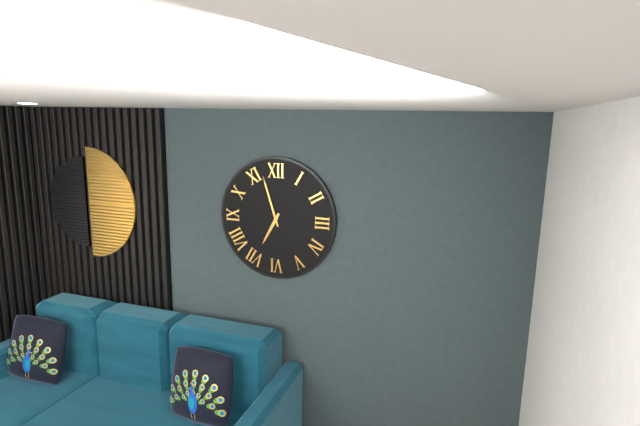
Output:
6,57
